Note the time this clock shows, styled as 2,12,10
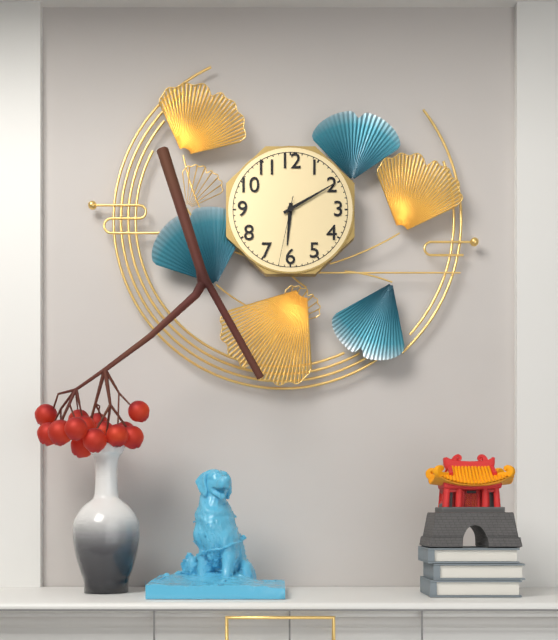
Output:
6,10,32
